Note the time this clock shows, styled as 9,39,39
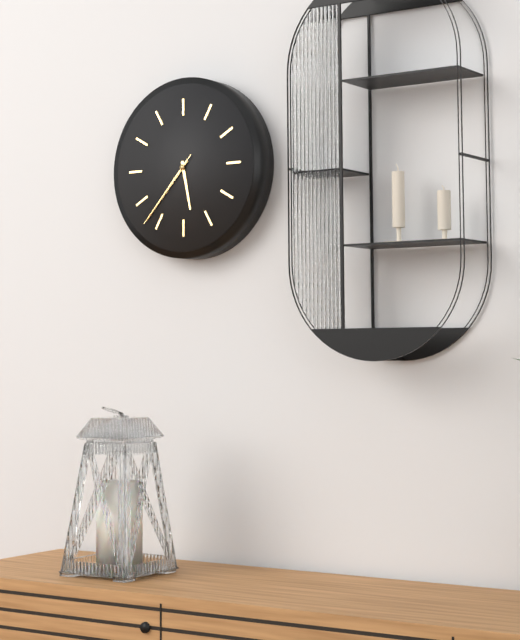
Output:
5,37,37
